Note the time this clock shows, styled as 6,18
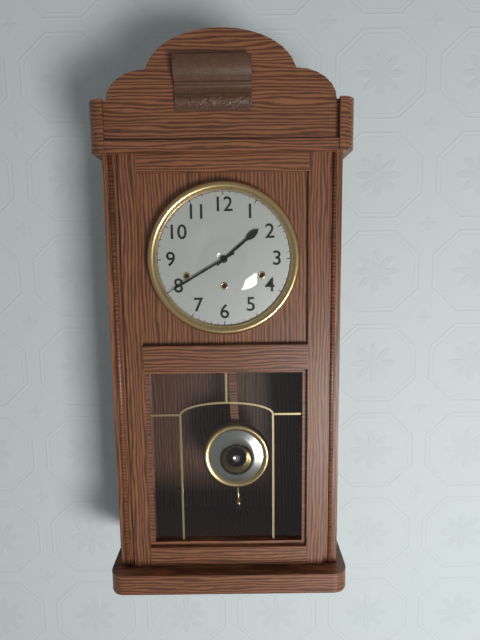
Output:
1,40
